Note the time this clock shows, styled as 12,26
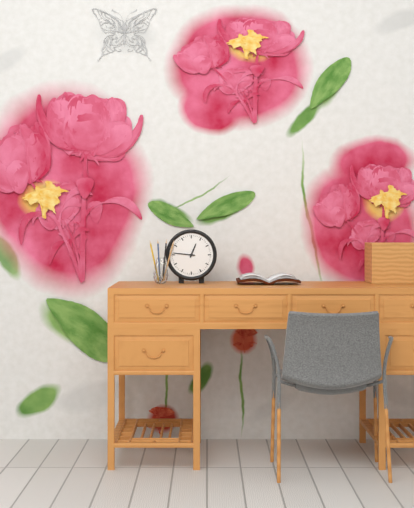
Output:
12,46
